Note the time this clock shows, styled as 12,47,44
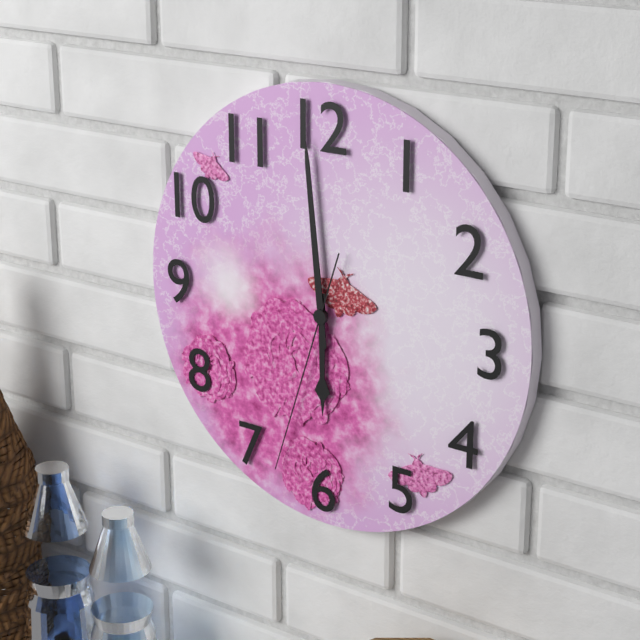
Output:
5,59,33
